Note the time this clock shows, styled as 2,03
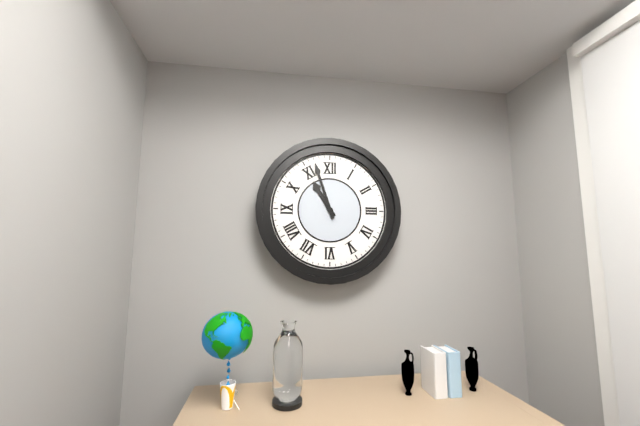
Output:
10,57
